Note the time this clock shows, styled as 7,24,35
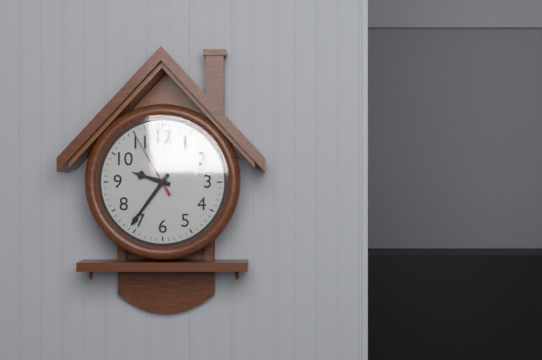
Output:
9,36,55
